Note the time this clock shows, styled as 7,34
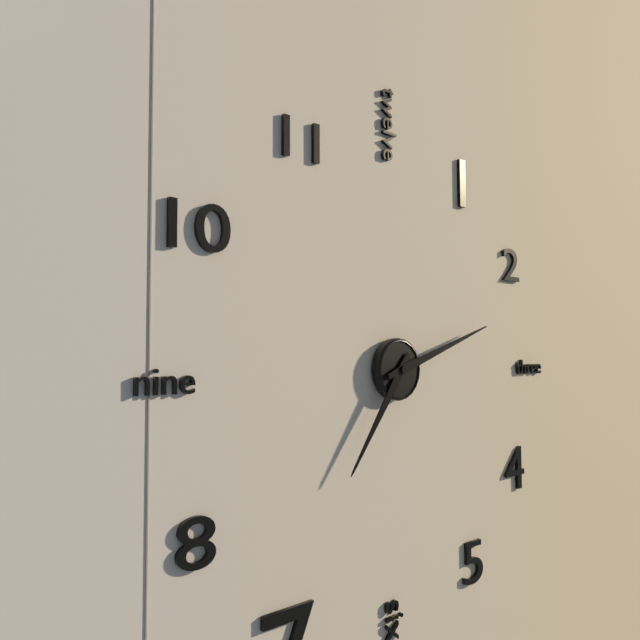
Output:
7,12
